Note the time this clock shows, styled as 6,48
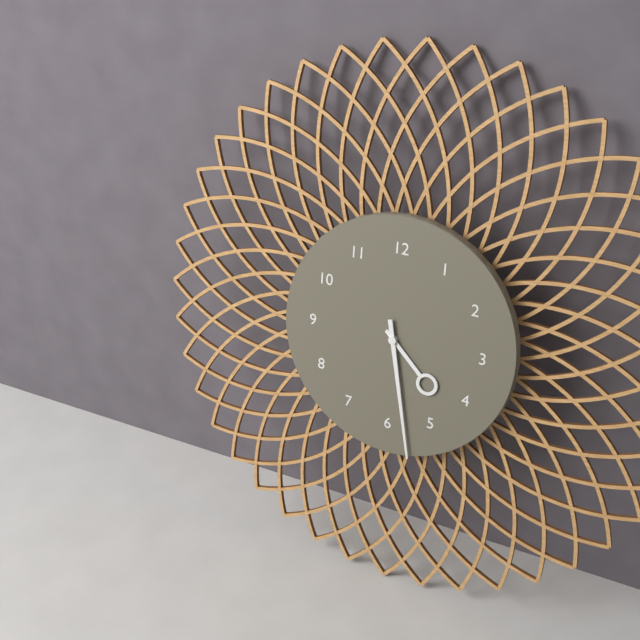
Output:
4,28
